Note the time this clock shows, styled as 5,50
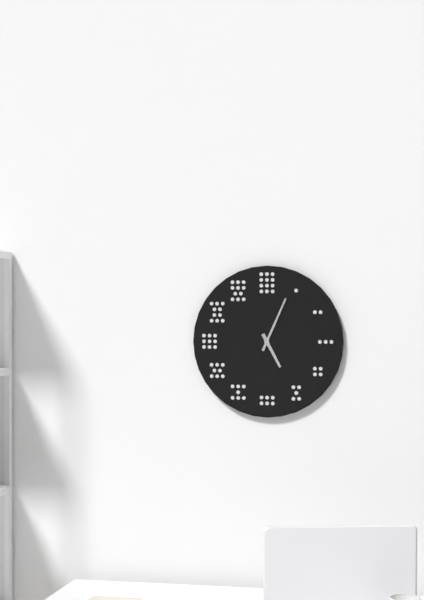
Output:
5,04
